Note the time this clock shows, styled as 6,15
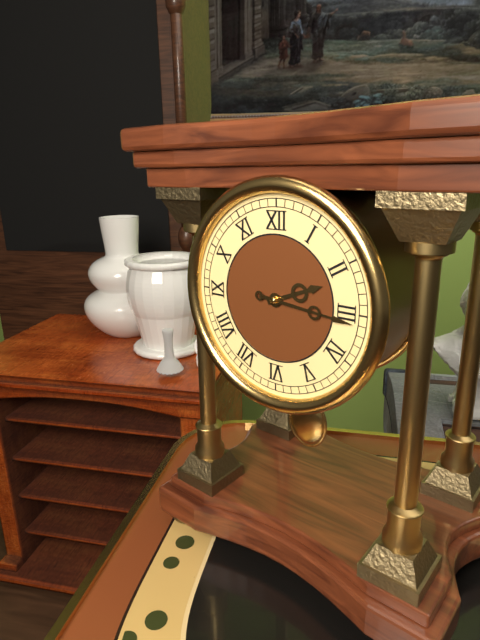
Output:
2,16
